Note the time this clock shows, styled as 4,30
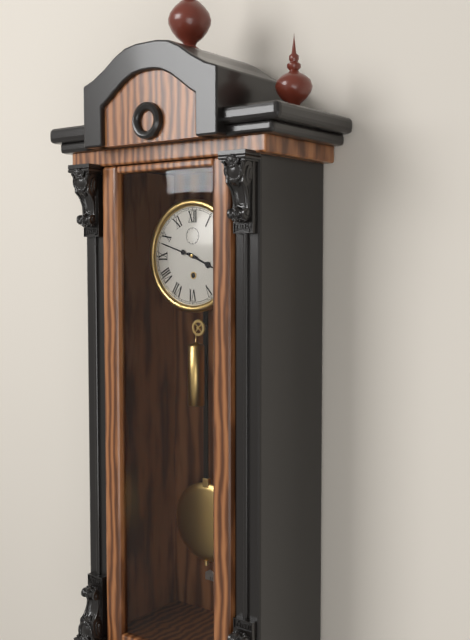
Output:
3,48
